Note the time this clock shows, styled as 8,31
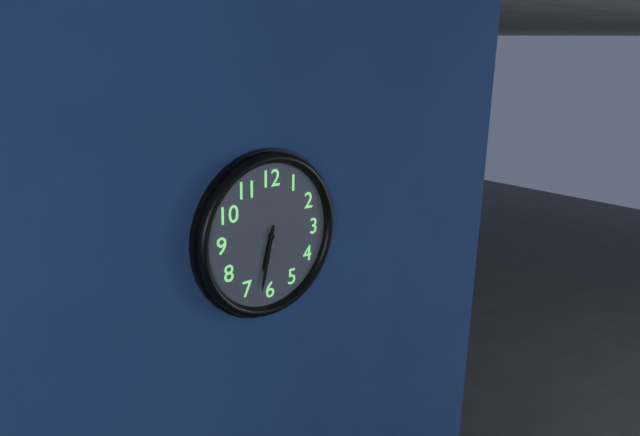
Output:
6,32
